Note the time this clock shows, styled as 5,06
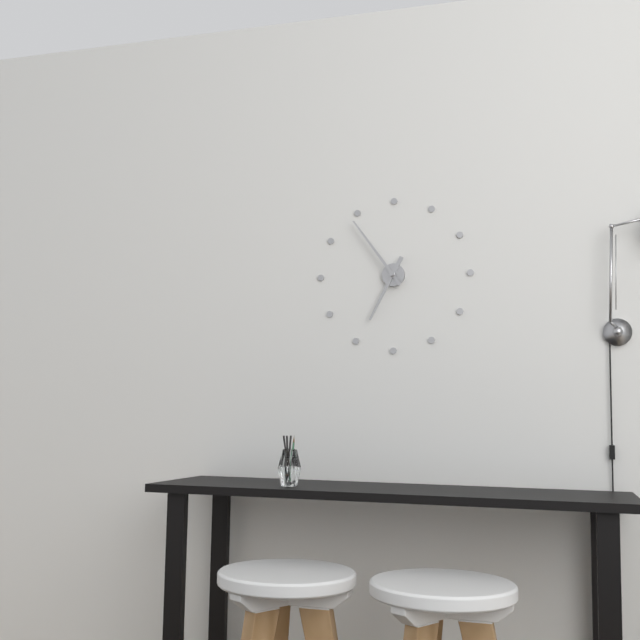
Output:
6,54
